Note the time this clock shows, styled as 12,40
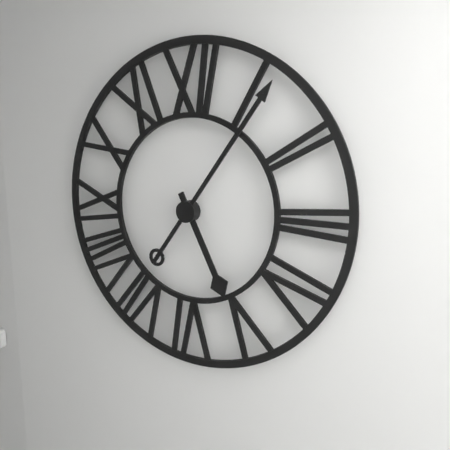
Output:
5,06
